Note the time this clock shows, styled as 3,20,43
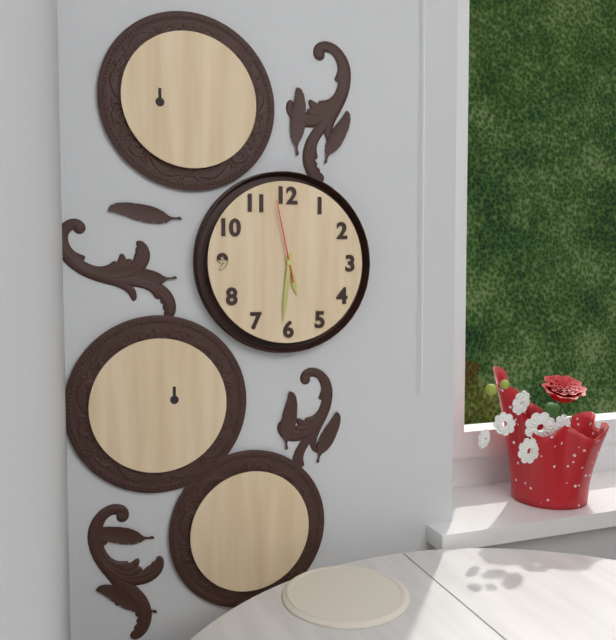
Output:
5,31,58
